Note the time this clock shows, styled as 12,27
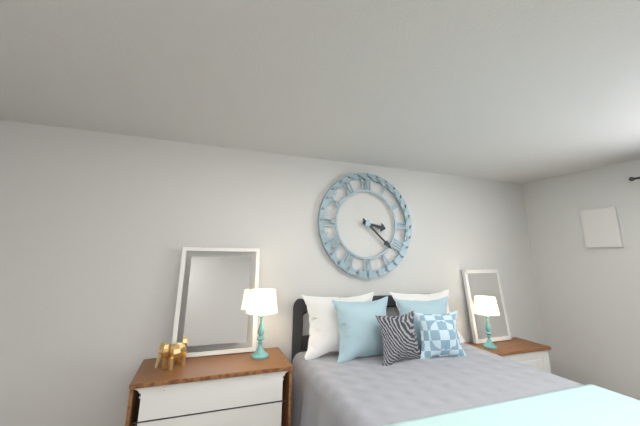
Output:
3,22
